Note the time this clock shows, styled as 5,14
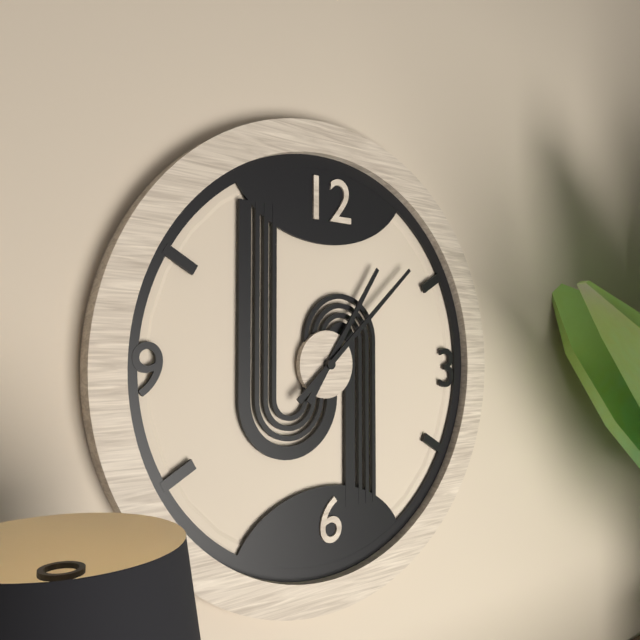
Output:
1,08
